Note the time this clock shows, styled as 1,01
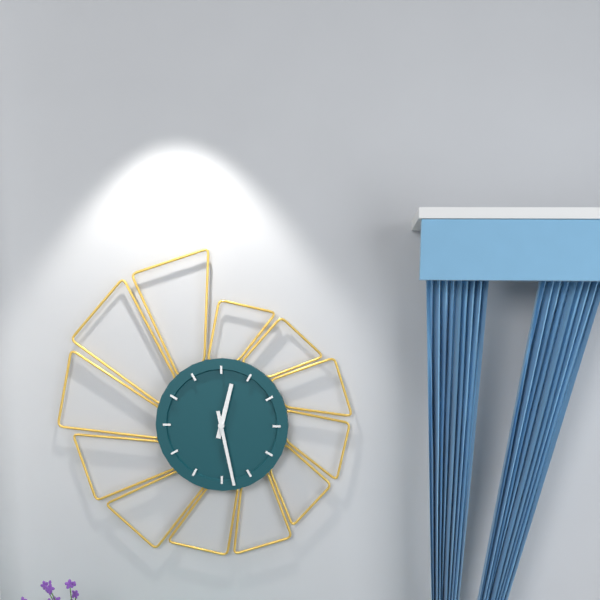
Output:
12,28
